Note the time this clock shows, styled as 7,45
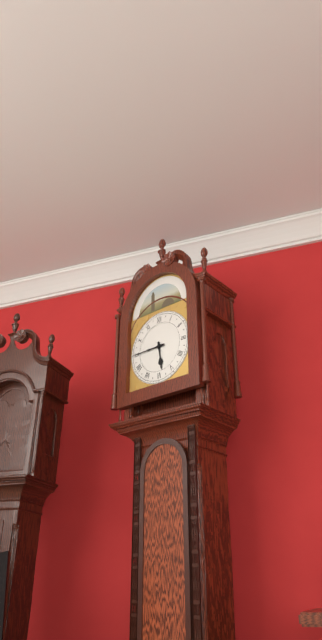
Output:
5,45
